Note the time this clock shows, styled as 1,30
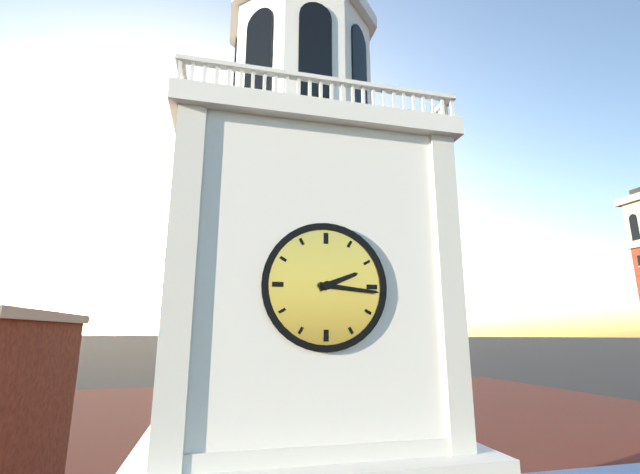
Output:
2,16
